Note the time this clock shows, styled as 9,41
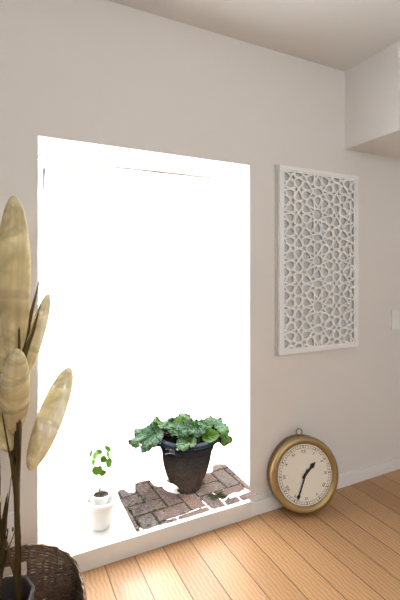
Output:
1,34
